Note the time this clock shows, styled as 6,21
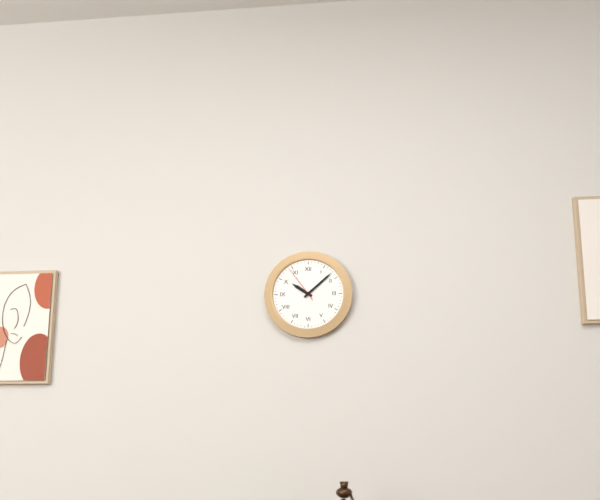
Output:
10,08
